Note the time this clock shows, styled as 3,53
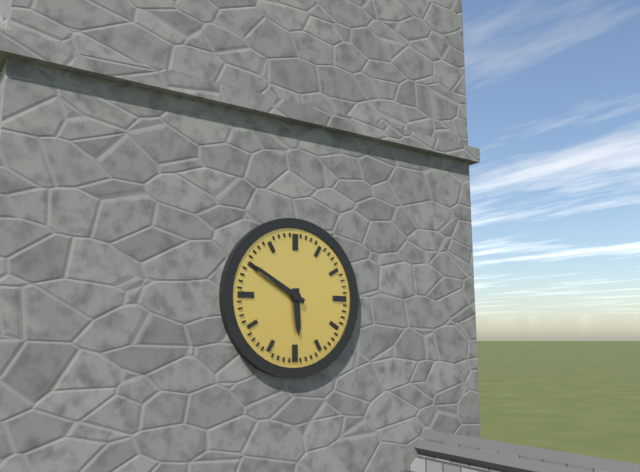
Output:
5,50
